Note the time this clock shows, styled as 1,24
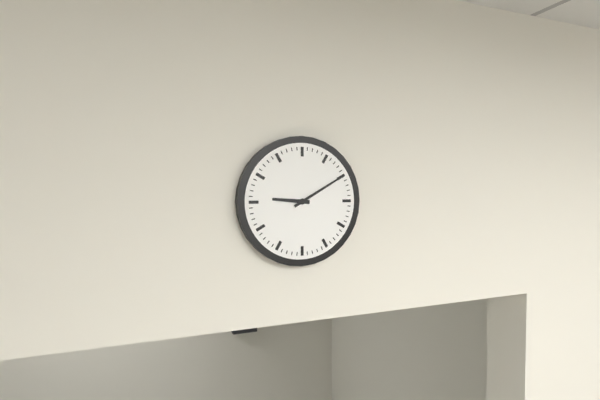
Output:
9,10
